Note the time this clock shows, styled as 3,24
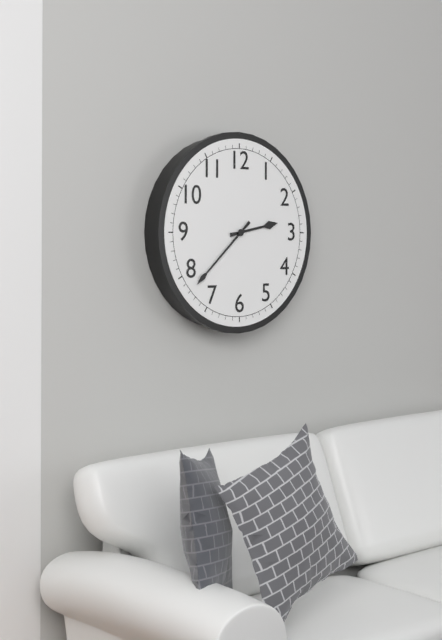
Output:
2,38
